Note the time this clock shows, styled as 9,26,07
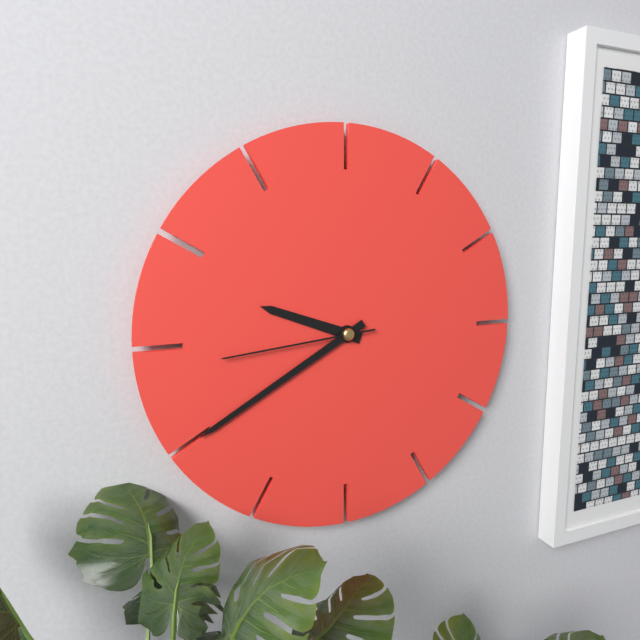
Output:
9,40,44
